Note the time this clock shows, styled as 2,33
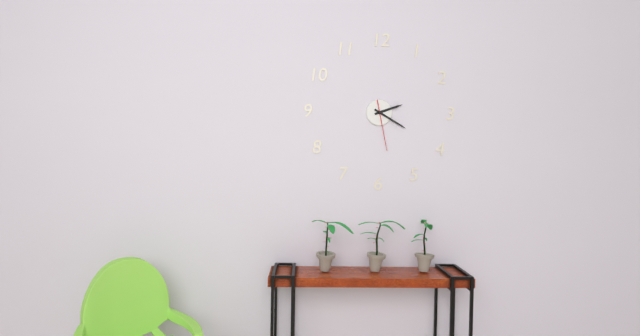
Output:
2,20
